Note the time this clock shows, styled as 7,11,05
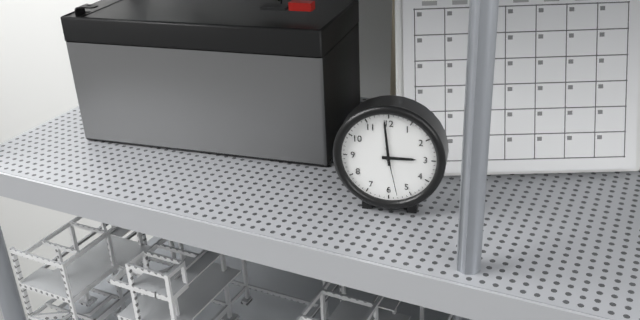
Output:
2,59,28
